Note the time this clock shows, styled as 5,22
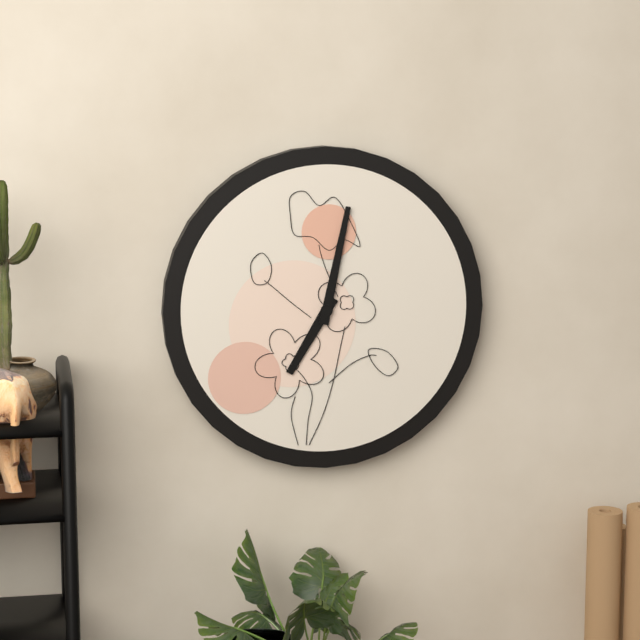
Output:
7,02
